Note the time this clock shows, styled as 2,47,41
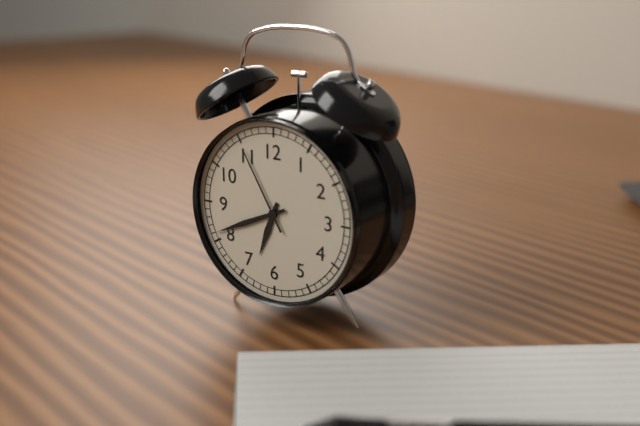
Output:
6,41,55
